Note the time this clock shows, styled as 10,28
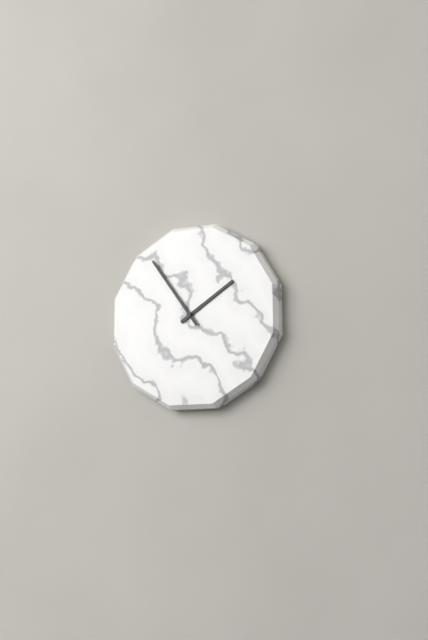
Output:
1,54
